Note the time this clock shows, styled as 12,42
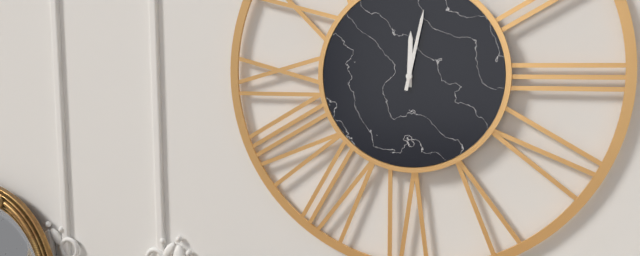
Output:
12,02
